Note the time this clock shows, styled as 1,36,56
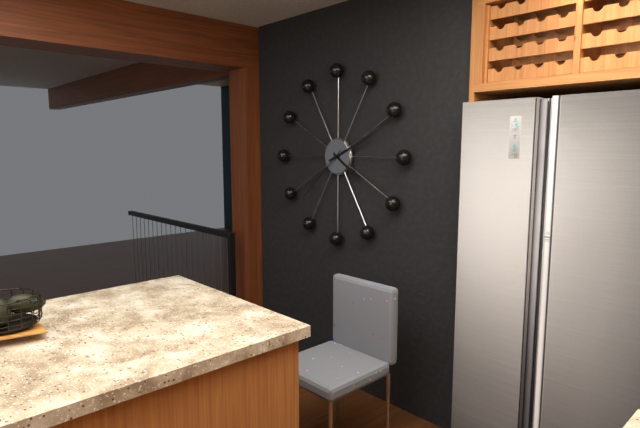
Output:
4,11,38
